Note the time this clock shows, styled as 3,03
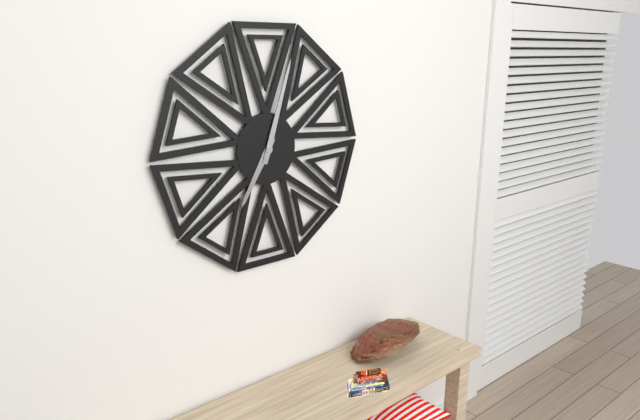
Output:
7,03
